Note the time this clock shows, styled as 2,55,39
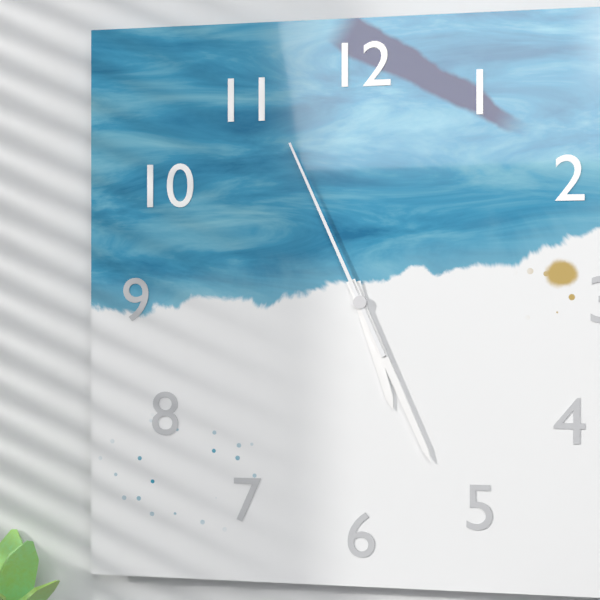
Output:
5,26,56
